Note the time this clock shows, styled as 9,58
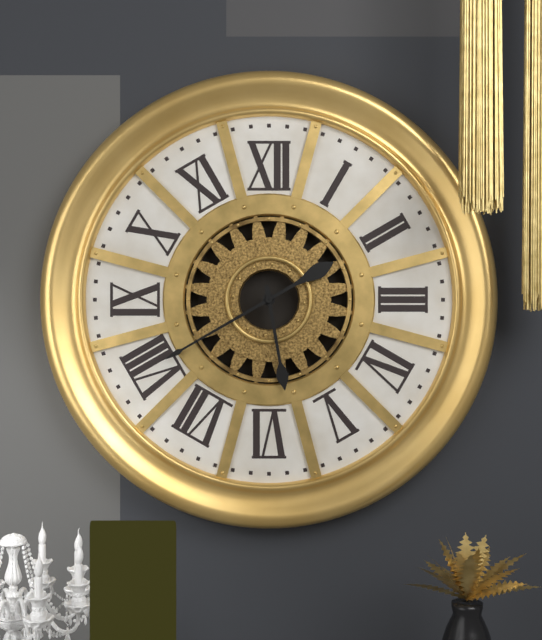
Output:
5,40
